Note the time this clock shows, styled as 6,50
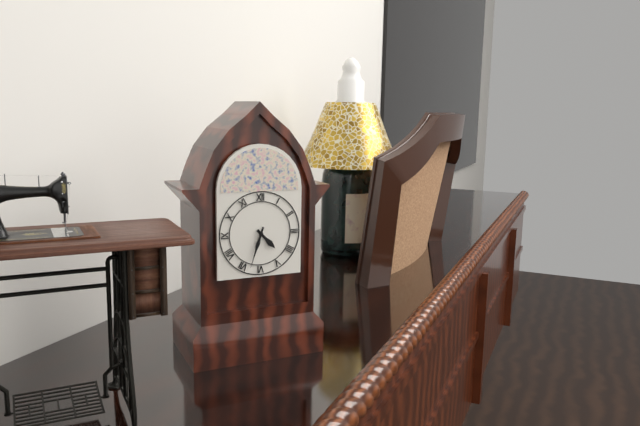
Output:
4,33
